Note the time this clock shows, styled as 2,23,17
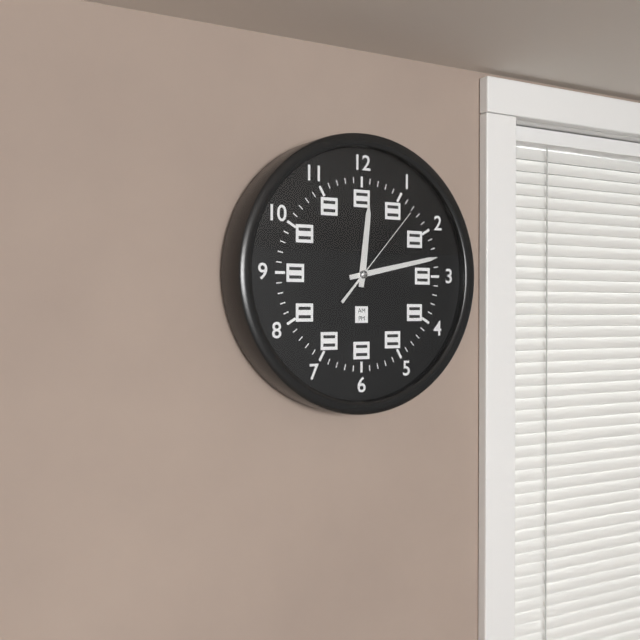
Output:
12,13,07
